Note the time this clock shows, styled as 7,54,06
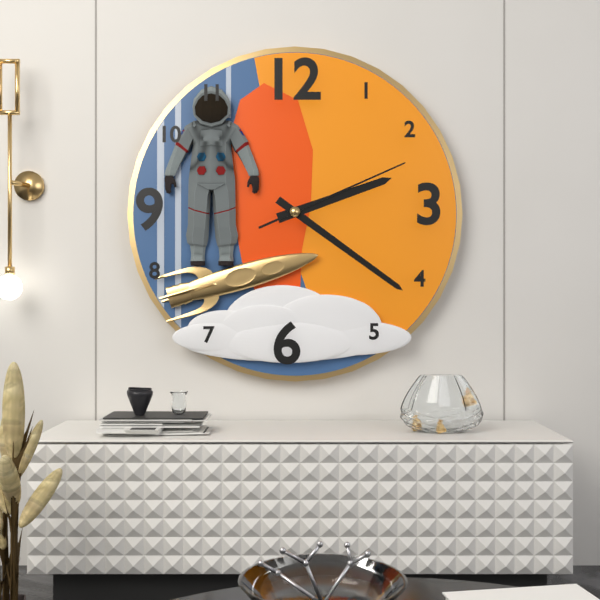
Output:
2,21,11
